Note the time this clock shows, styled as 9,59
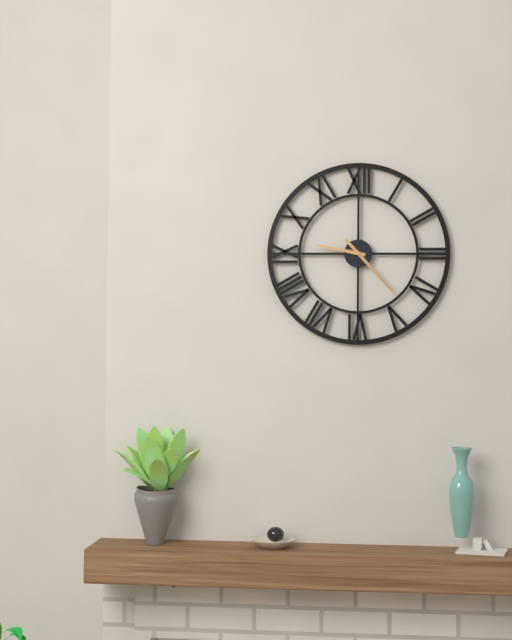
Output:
9,23
